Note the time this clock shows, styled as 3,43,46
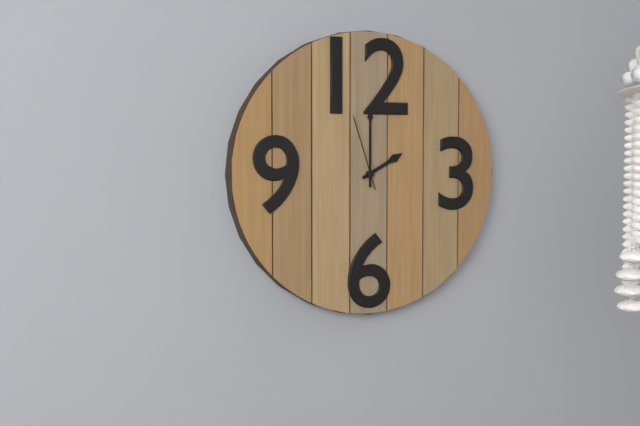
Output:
2,00,57
